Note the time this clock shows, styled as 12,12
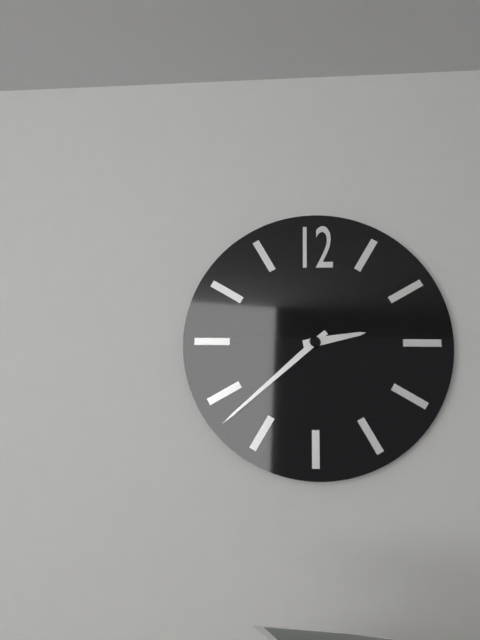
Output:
2,38
